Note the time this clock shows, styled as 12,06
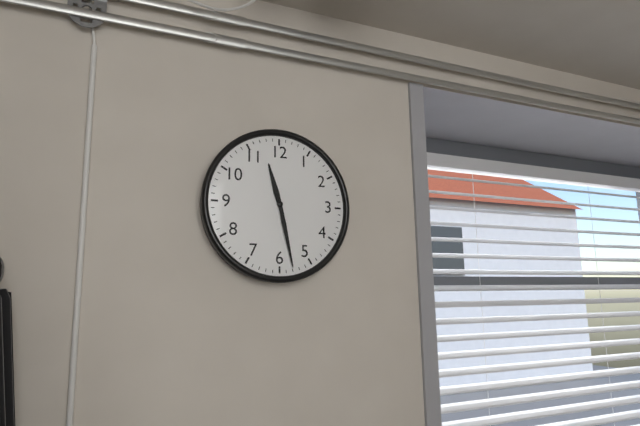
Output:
11,28
